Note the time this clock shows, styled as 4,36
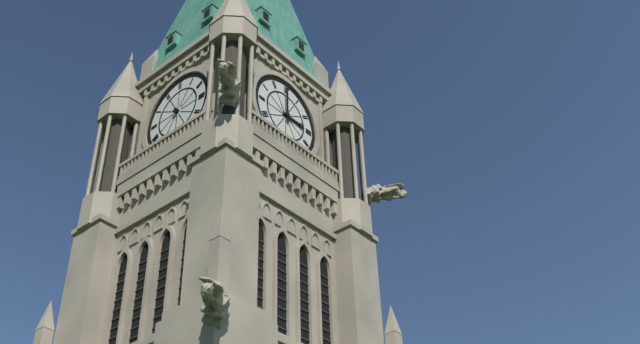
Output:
3,00
